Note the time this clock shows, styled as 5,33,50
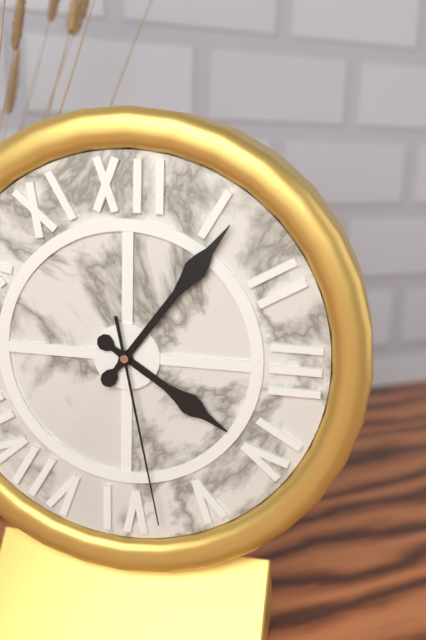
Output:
4,06,28
